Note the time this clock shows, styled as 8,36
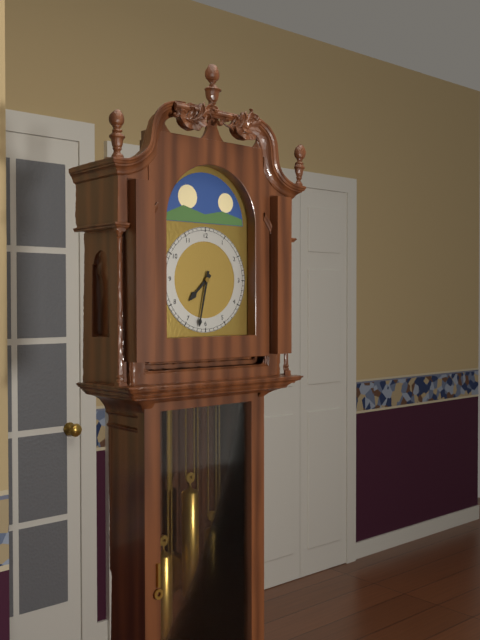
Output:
7,32
